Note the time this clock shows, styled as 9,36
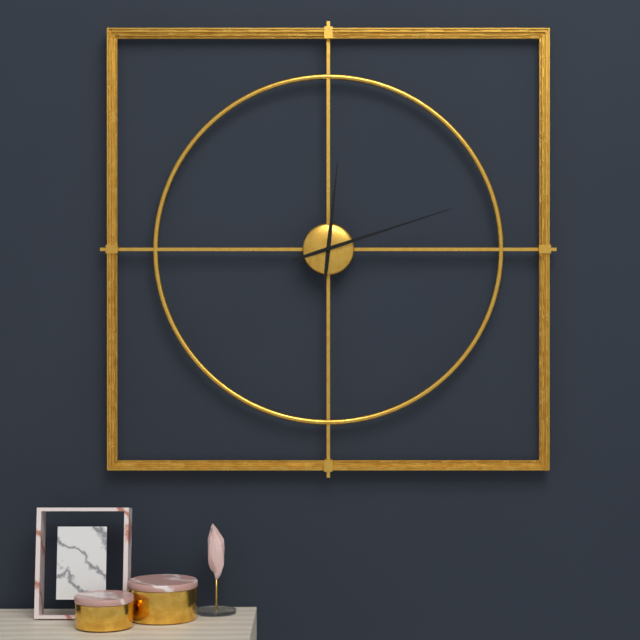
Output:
12,12
